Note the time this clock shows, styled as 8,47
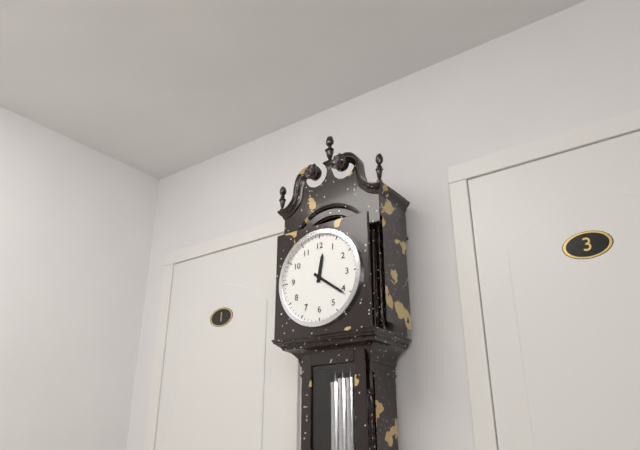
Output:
12,21
